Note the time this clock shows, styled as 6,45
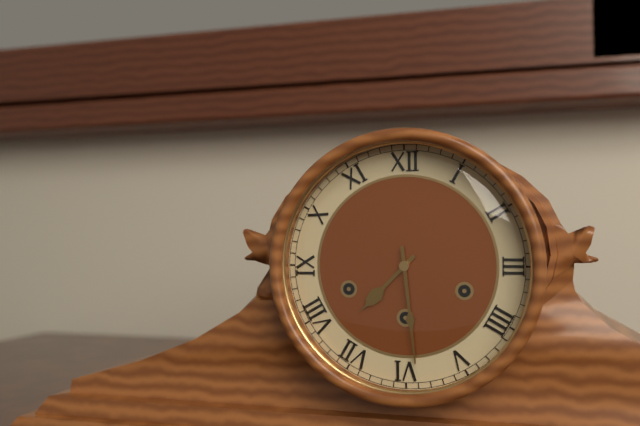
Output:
7,29
